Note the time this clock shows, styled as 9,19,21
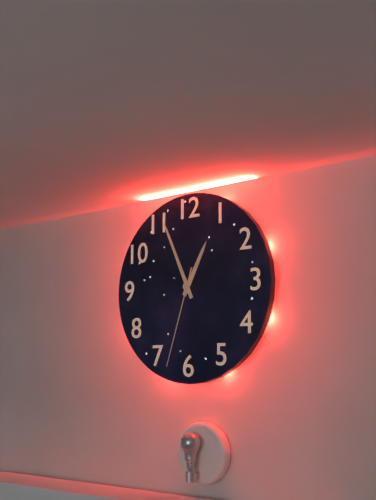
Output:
12,56,33
